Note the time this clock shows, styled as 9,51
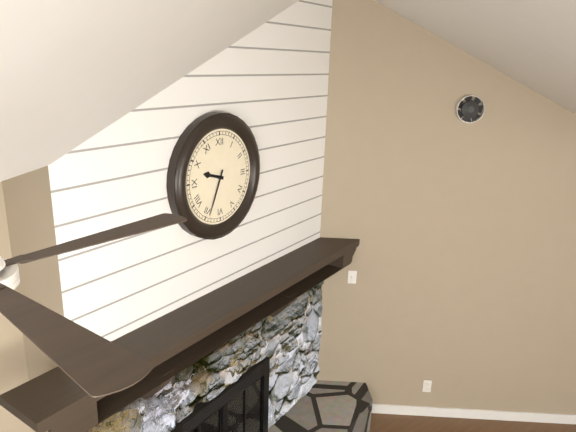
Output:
9,34
